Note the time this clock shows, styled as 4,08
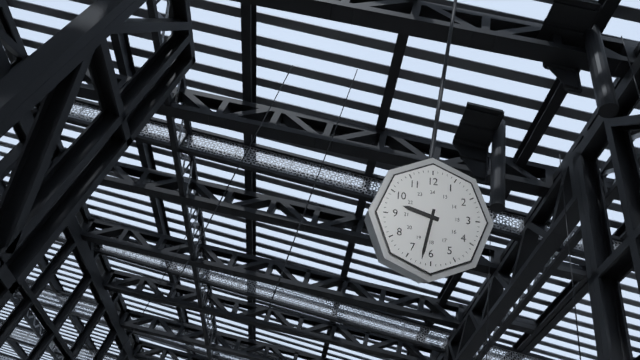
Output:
9,32
